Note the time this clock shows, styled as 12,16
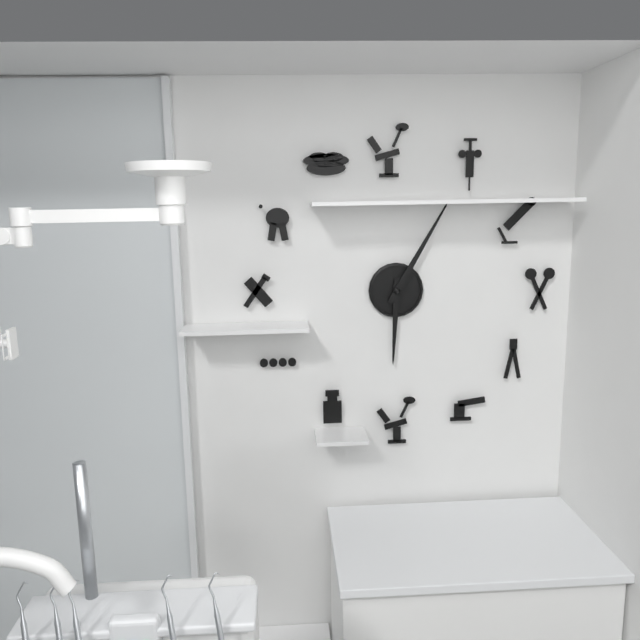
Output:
6,05
